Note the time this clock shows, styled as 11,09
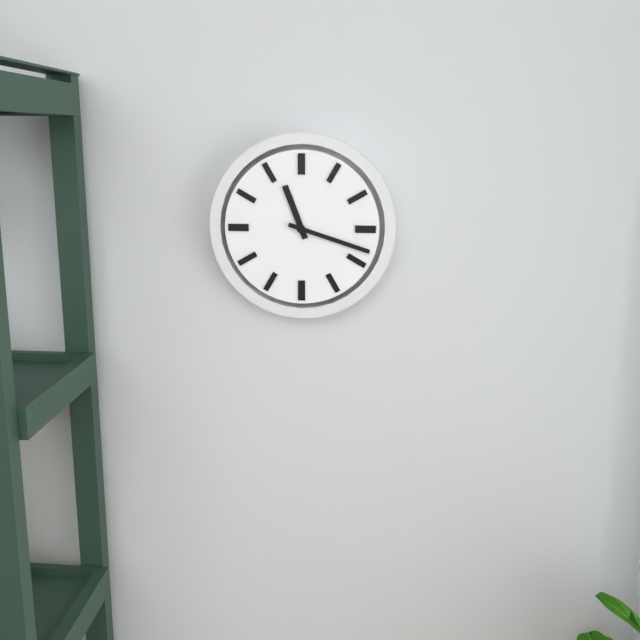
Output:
11,18
